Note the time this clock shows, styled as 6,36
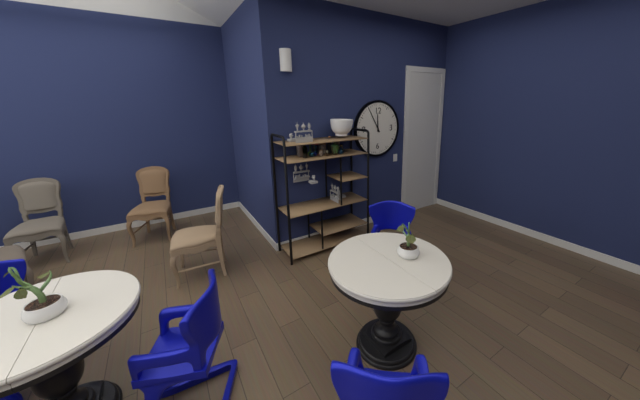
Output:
11,55
